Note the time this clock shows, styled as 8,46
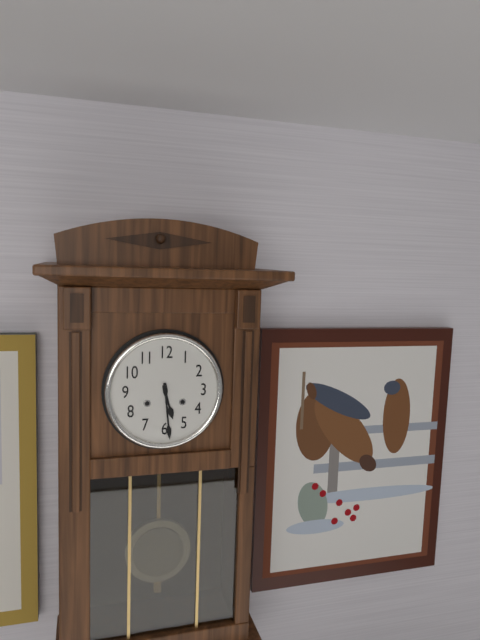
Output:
5,29
